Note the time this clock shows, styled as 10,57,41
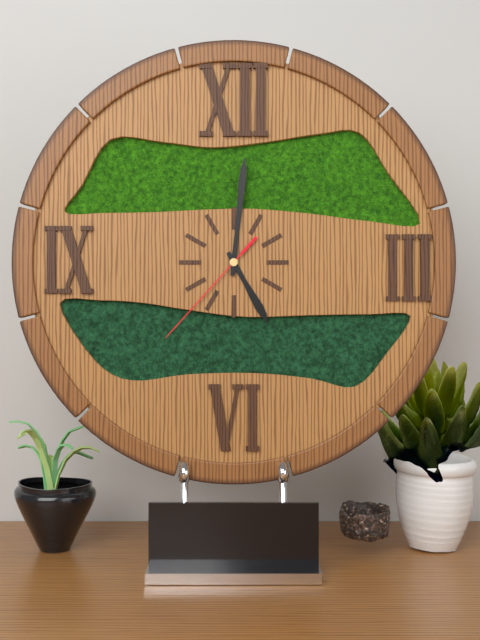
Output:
5,01,37
